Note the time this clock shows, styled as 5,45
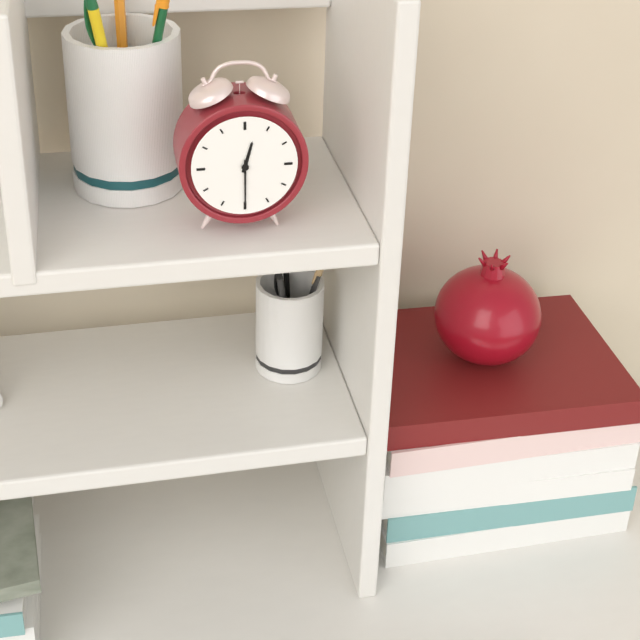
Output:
12,30
